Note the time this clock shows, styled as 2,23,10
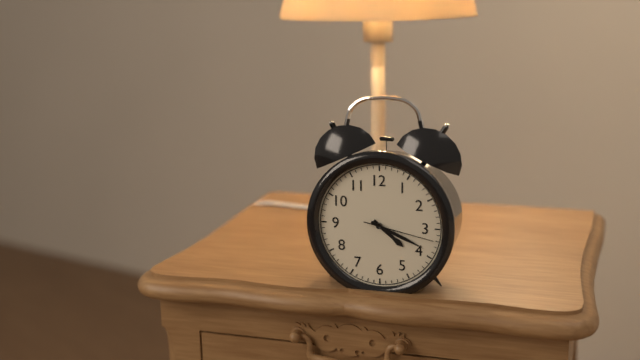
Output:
4,19,17
